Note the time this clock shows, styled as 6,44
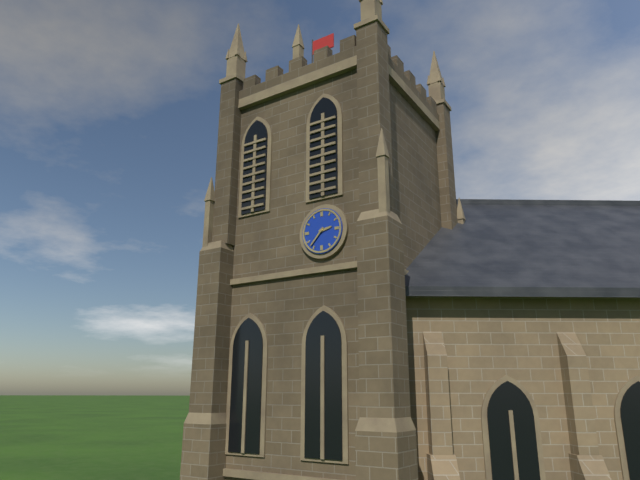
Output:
2,37
